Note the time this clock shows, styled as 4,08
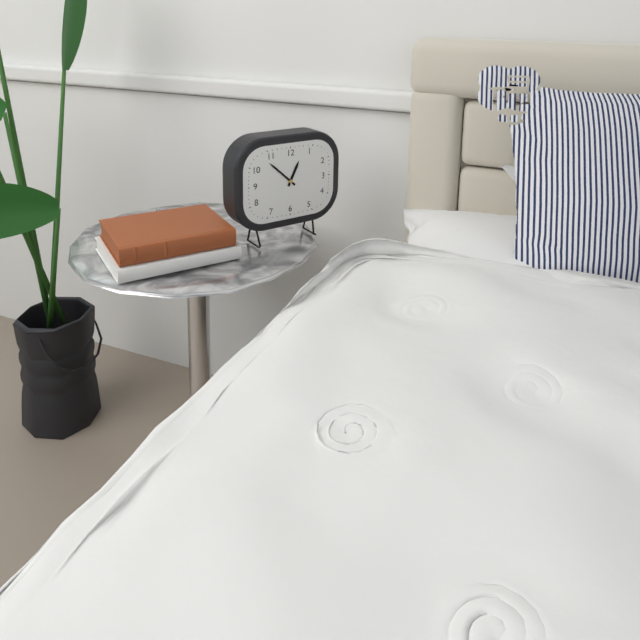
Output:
12,52
